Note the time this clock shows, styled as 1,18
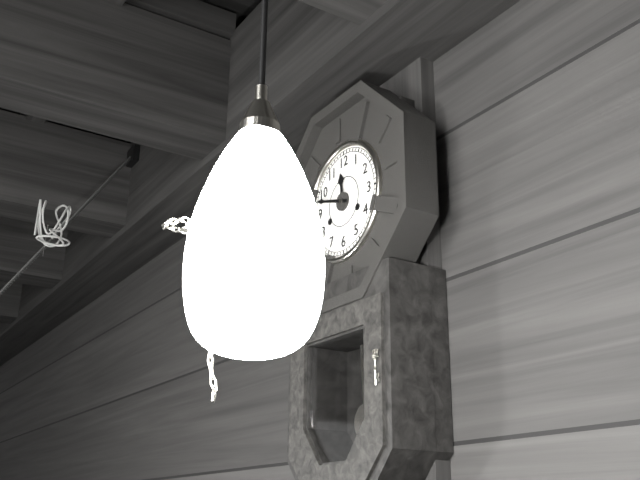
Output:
11,48
